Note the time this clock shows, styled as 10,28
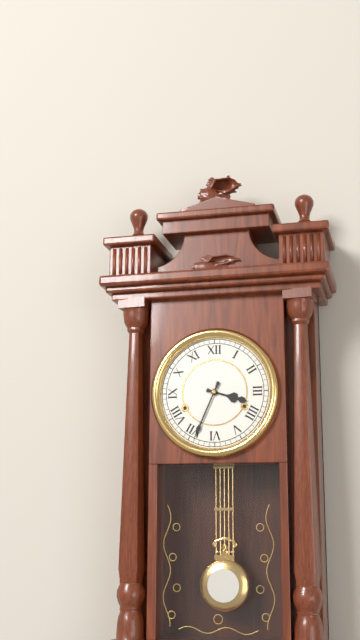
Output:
3,34
